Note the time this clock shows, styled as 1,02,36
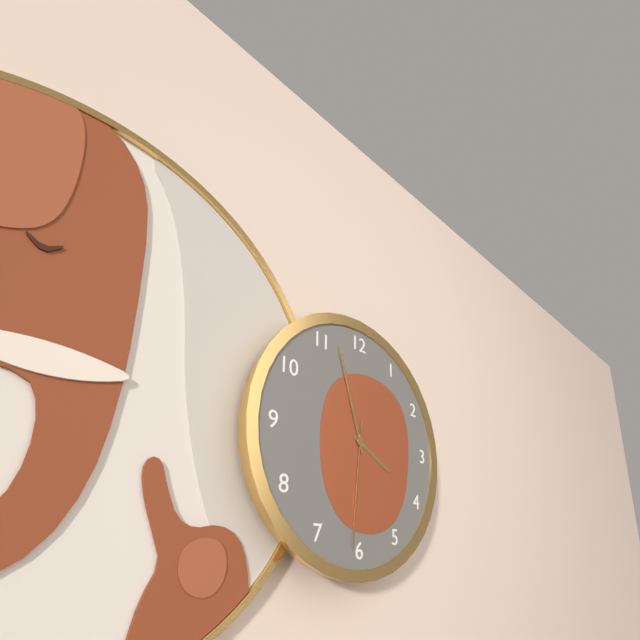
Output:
3,57,31
